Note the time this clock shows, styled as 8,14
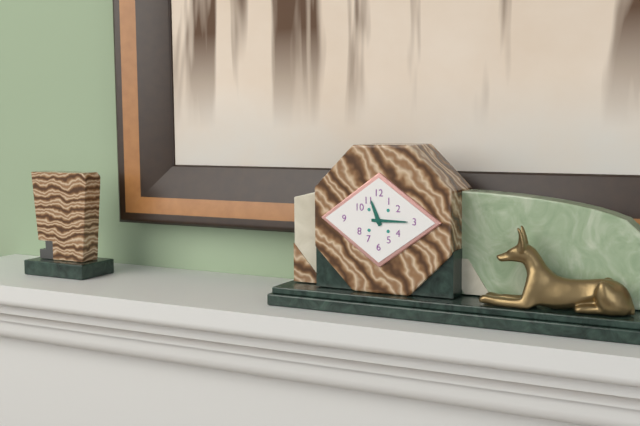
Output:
11,15
